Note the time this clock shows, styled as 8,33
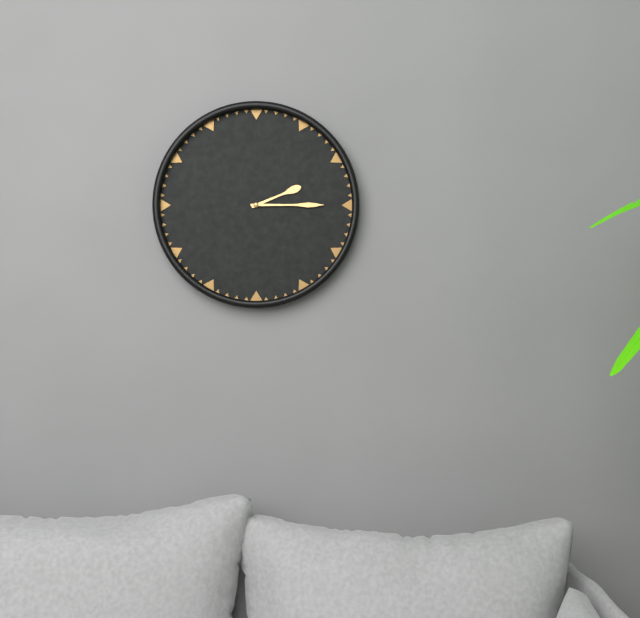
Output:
2,15
